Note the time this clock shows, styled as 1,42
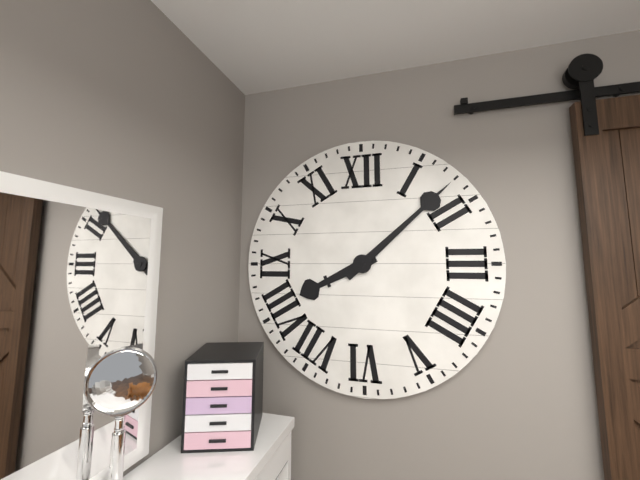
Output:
8,08
